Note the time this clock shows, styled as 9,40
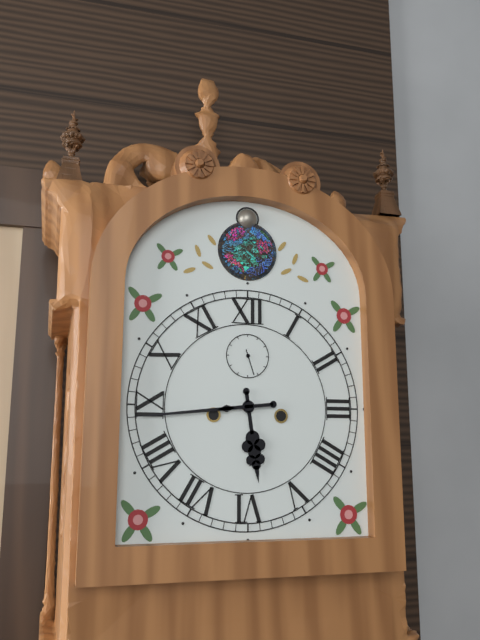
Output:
5,44
